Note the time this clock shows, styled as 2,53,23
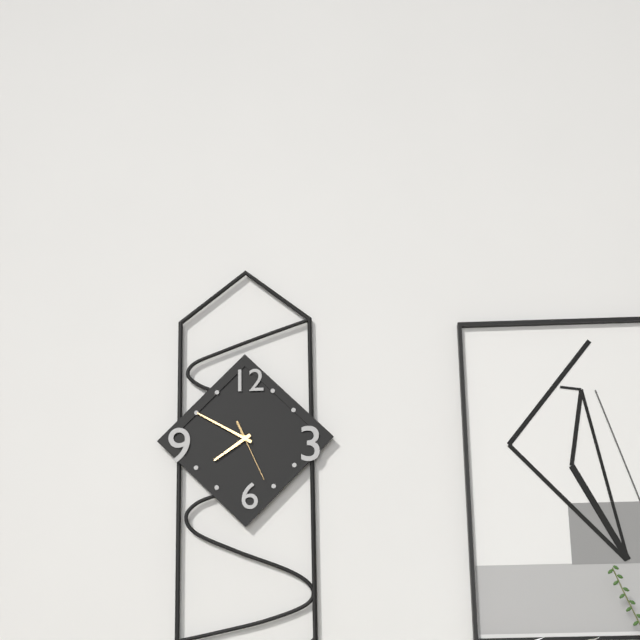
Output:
7,50,26
